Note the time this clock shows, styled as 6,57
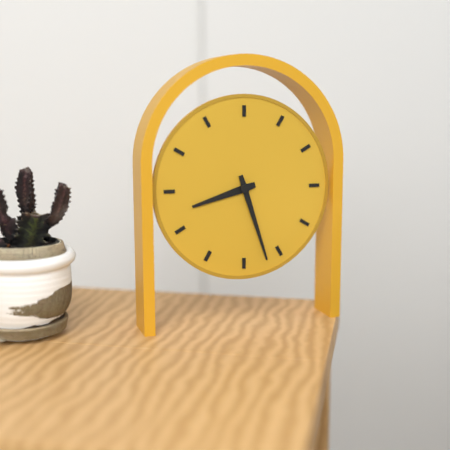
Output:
8,27
